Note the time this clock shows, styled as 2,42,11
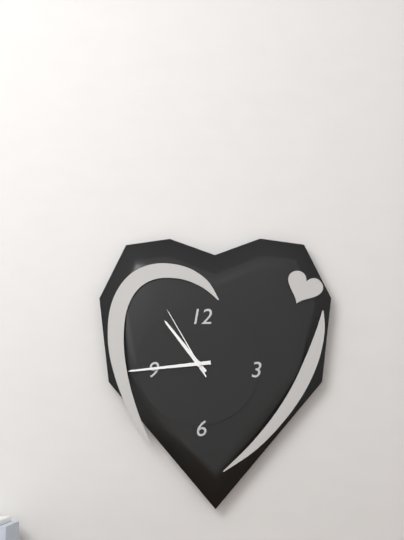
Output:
10,44,55
